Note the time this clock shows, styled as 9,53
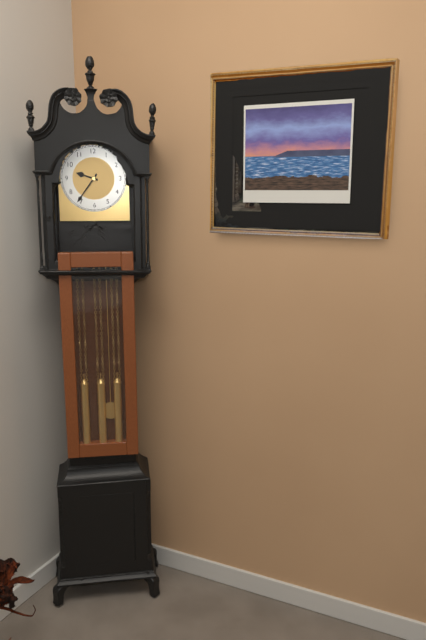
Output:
9,36
